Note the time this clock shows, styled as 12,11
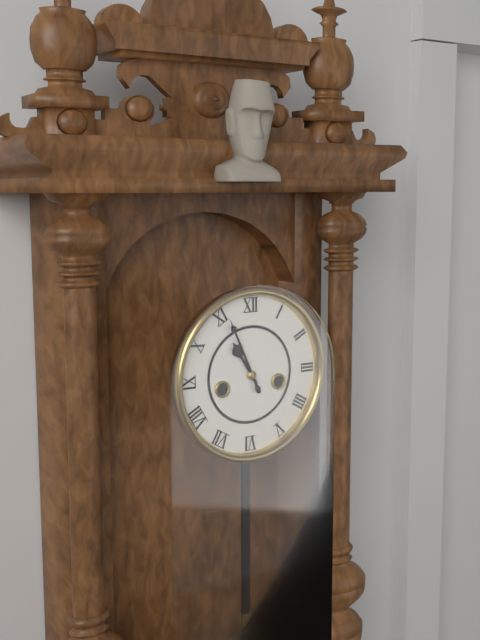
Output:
10,56
